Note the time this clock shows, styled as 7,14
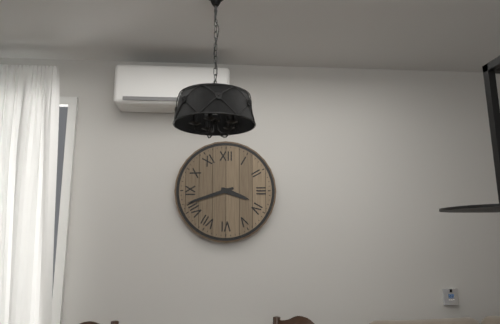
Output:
3,42
